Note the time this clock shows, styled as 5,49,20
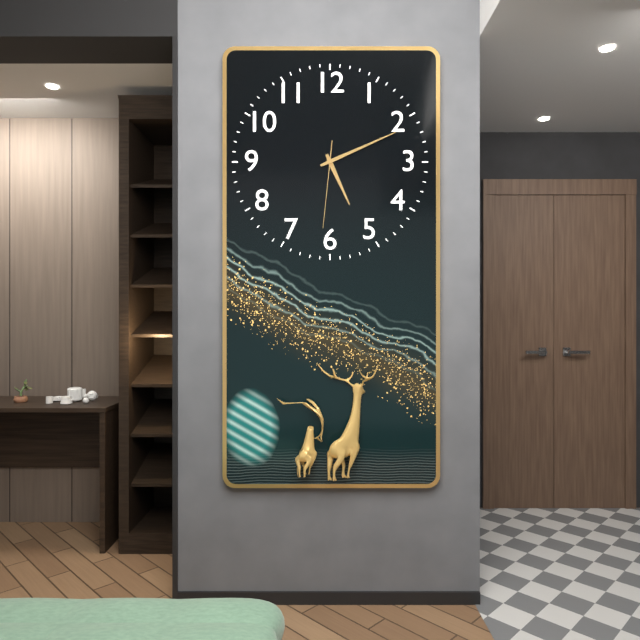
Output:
5,11,31
